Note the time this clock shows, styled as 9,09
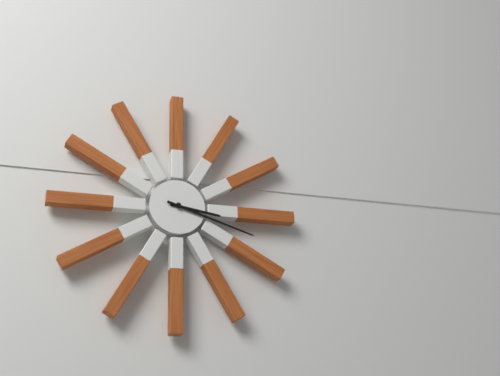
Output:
3,18
